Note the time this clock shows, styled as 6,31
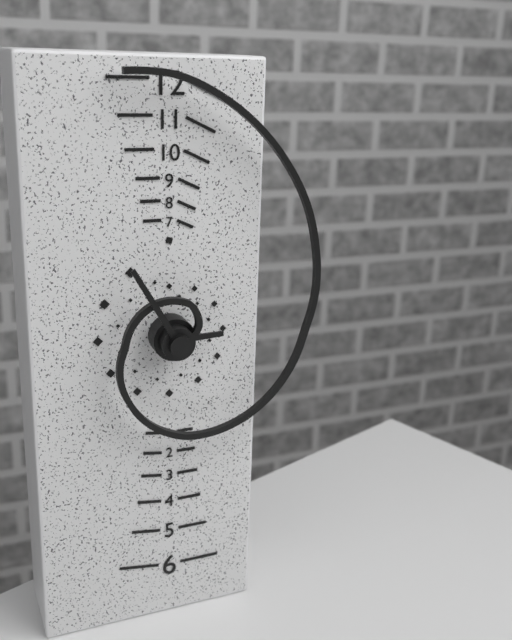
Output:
2,55
